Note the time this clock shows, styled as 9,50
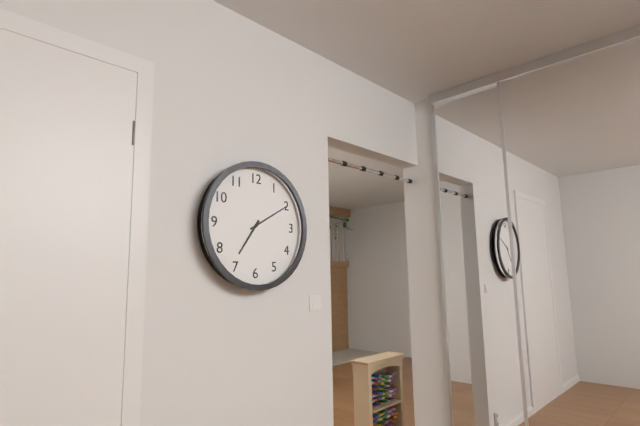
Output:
7,10
